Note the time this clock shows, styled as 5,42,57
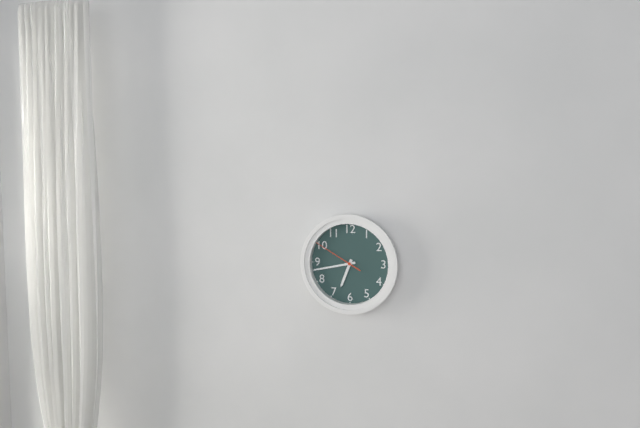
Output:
6,43,50
